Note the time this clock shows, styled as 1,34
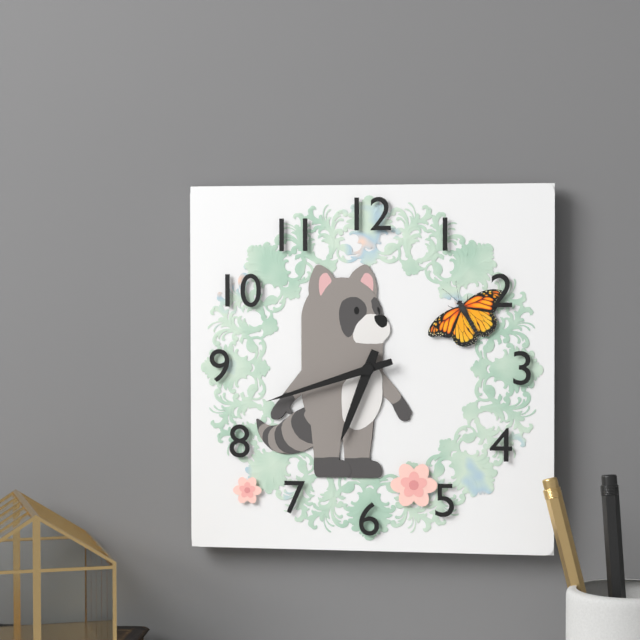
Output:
6,42
